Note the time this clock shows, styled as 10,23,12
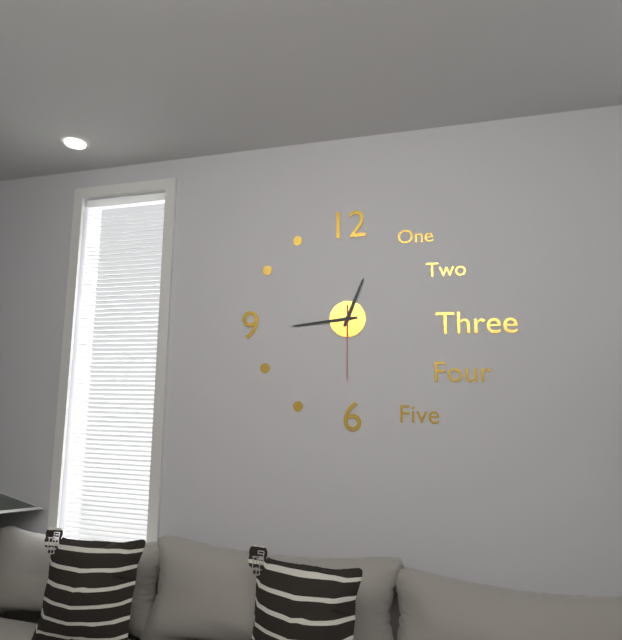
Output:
12,44,30
